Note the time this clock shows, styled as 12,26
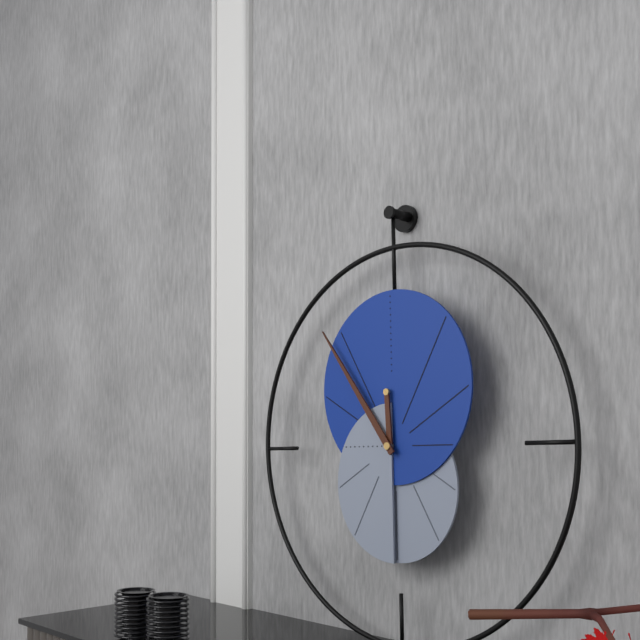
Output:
11,54
